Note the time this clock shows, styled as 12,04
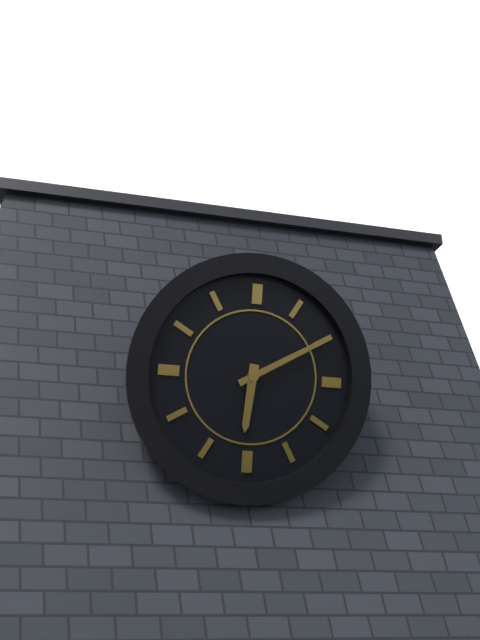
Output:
6,10
